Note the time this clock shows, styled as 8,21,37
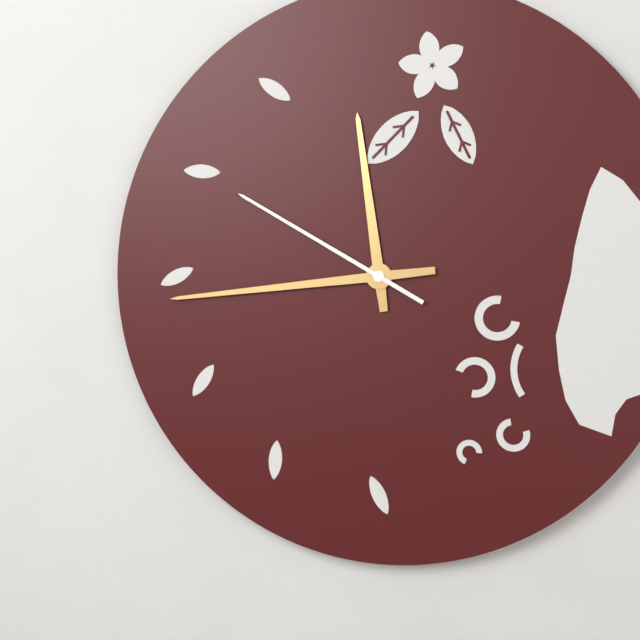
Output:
11,44,50
